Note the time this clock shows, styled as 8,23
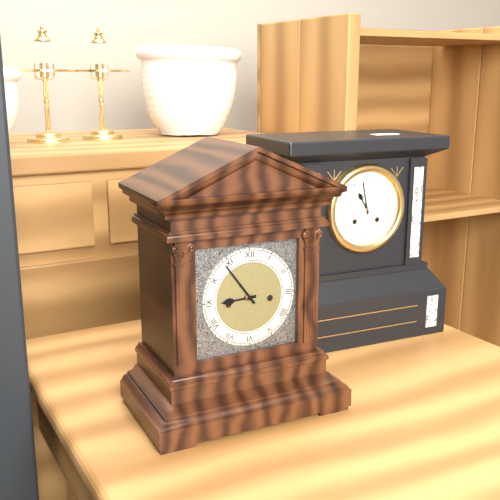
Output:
8,54
